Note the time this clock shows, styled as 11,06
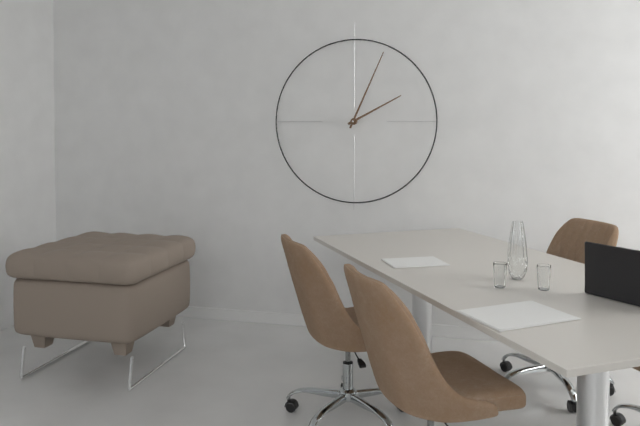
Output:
2,04
